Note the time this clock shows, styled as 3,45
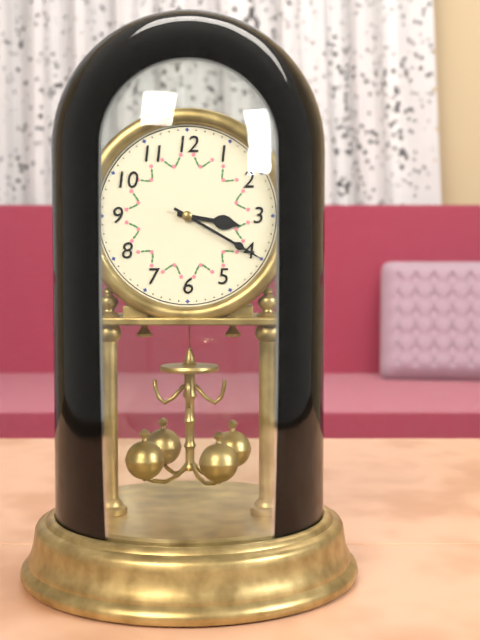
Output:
3,20
